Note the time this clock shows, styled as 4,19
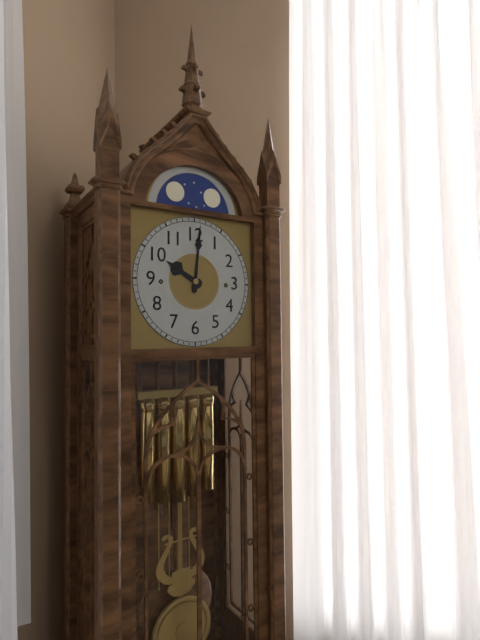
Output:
10,01
